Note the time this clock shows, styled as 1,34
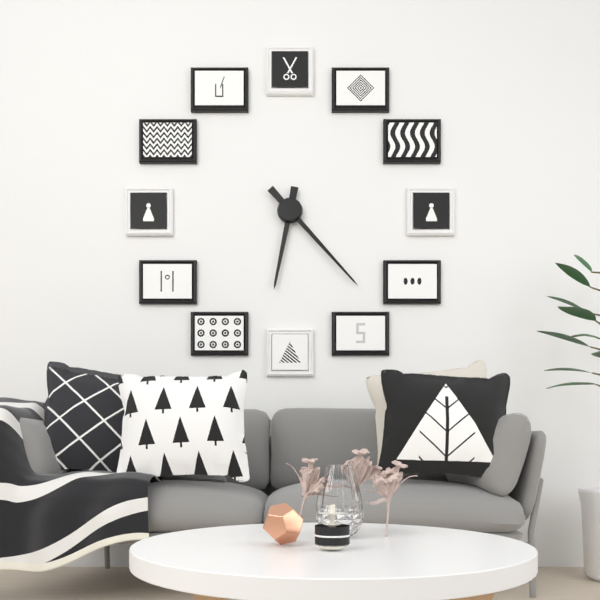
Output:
6,23
